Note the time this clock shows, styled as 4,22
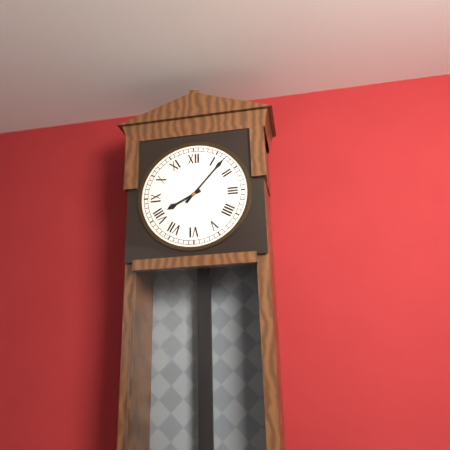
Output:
8,07
